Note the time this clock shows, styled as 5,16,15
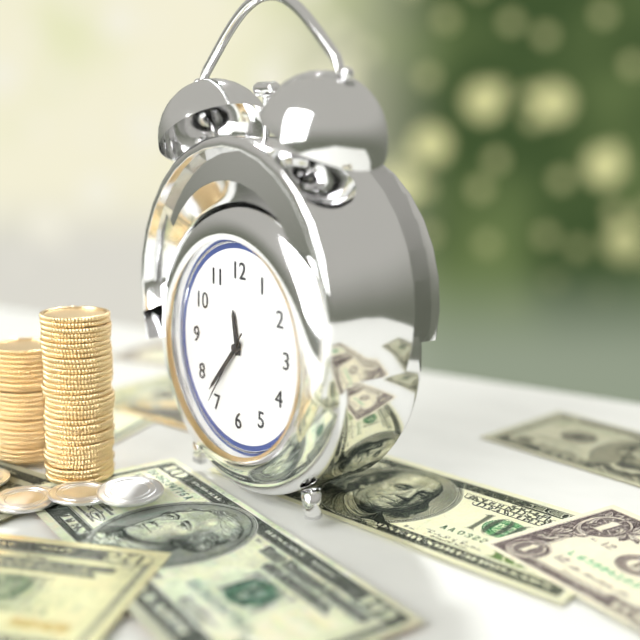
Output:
11,37,36
